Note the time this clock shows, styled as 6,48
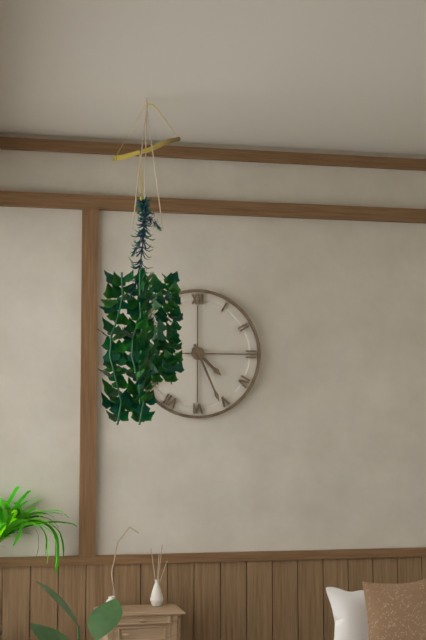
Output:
4,26
